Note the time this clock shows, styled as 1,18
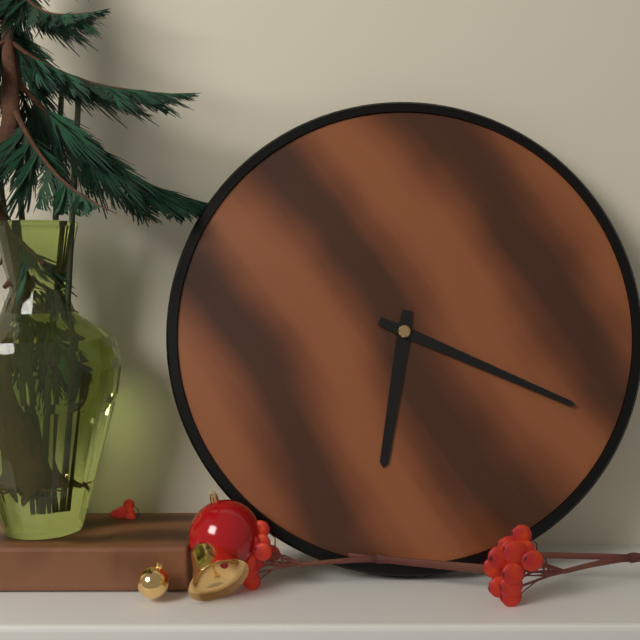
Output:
6,19
